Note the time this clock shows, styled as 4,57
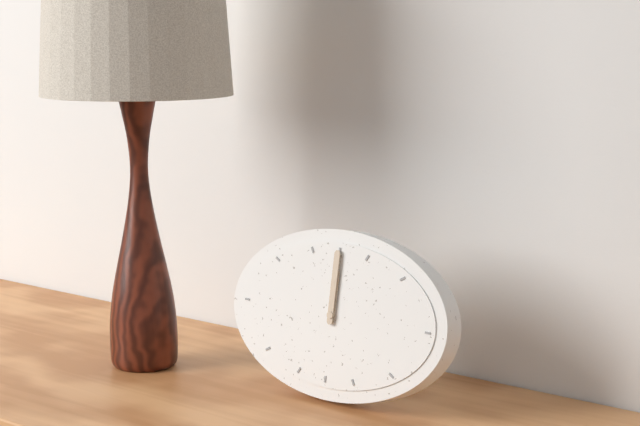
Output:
12,00
